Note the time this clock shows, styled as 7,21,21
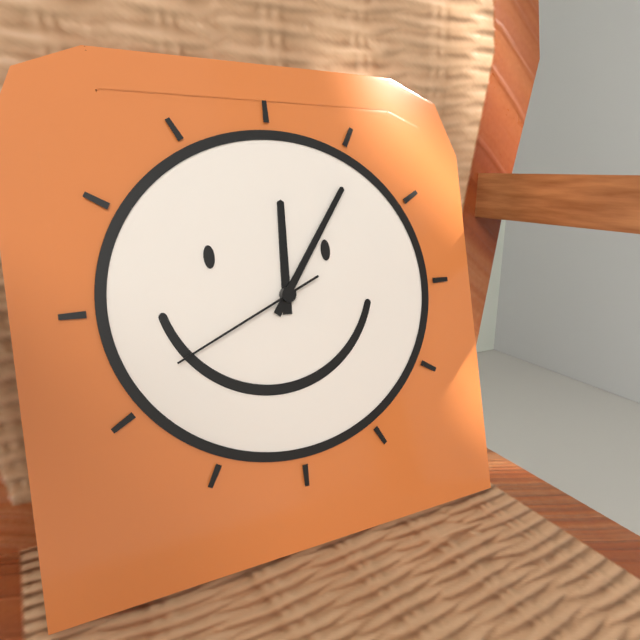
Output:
12,06,41
